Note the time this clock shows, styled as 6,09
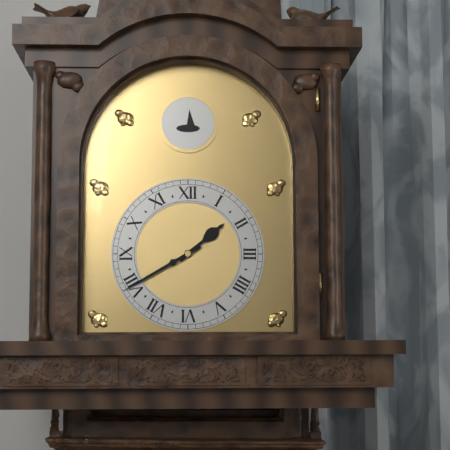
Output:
1,40
